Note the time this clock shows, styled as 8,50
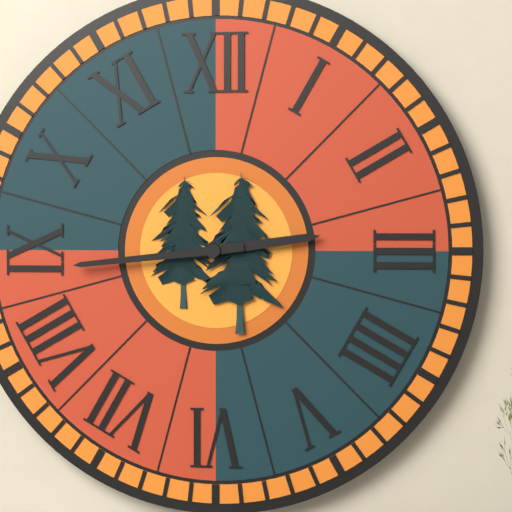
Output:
2,44
